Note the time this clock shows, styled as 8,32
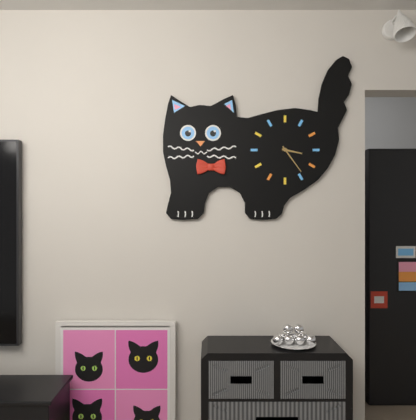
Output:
3,24
